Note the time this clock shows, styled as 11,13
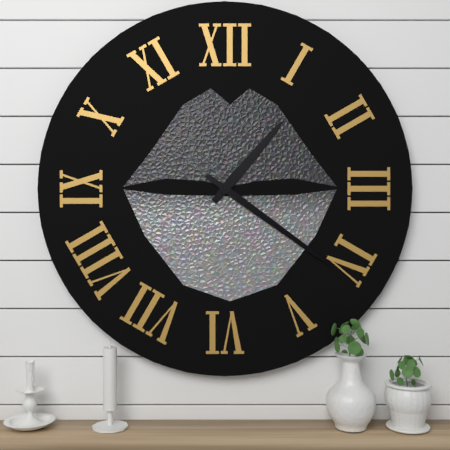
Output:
1,21
